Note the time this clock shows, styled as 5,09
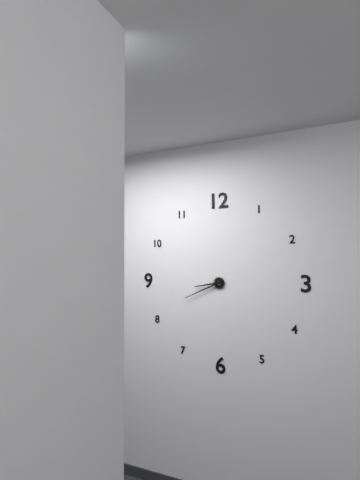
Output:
8,41
